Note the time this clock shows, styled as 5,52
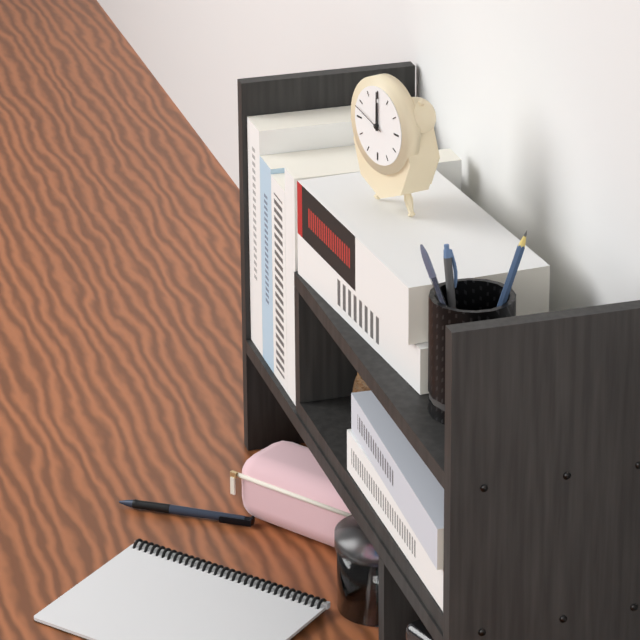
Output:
12,00
